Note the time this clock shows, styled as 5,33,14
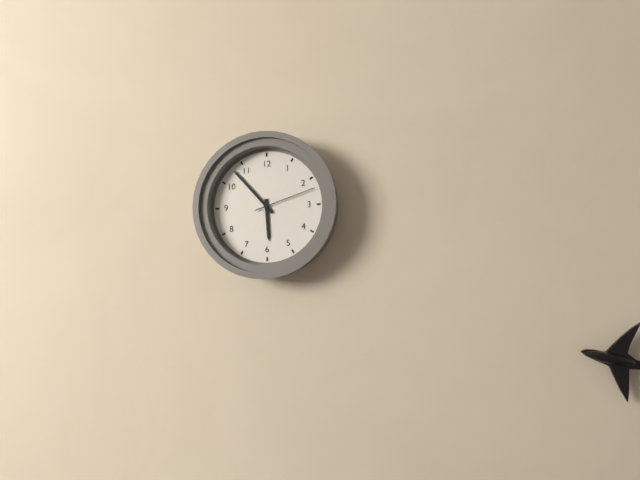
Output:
5,53,12
